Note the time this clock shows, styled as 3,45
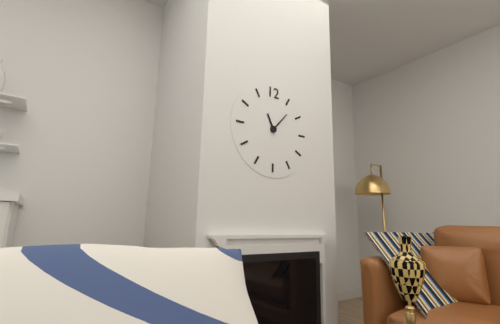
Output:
11,07
